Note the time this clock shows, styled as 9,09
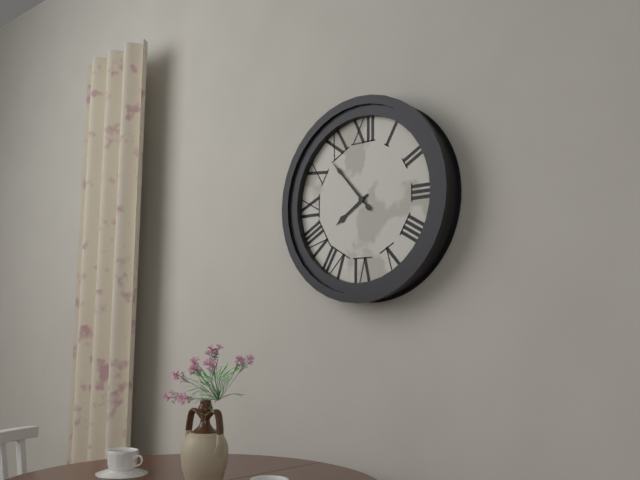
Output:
7,53
